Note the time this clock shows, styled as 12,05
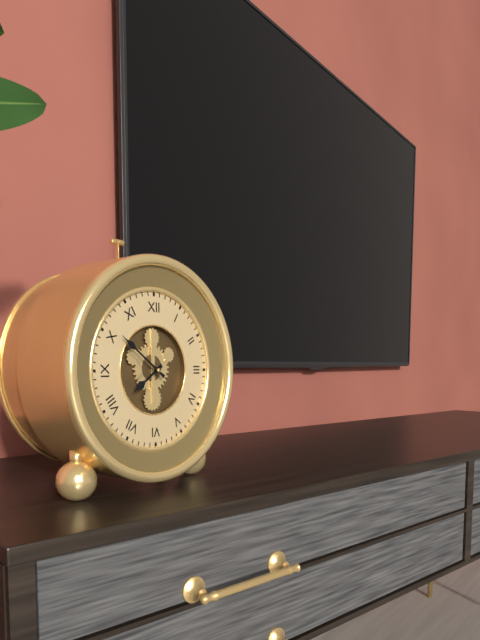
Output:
7,51
